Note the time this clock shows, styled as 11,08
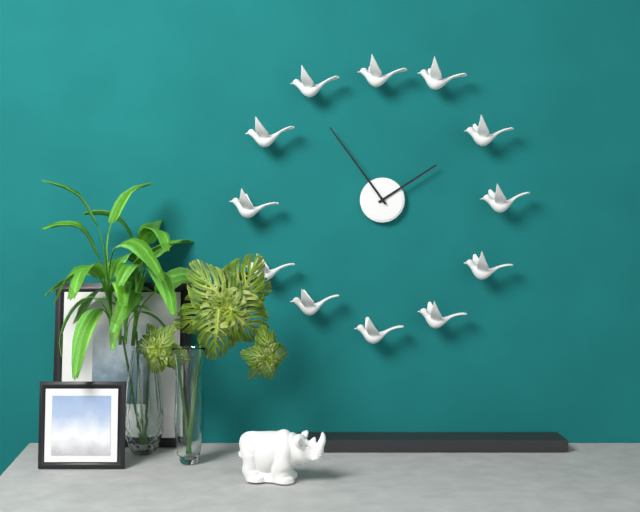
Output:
1,54
